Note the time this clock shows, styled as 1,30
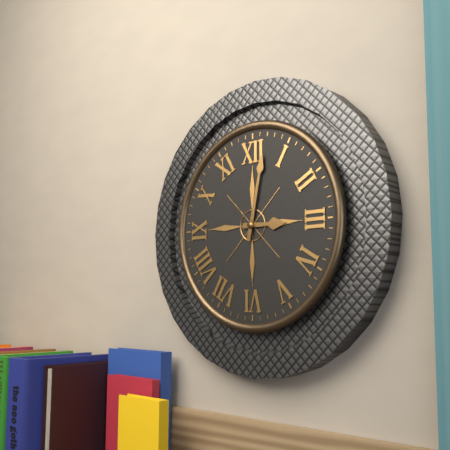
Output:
3,02
